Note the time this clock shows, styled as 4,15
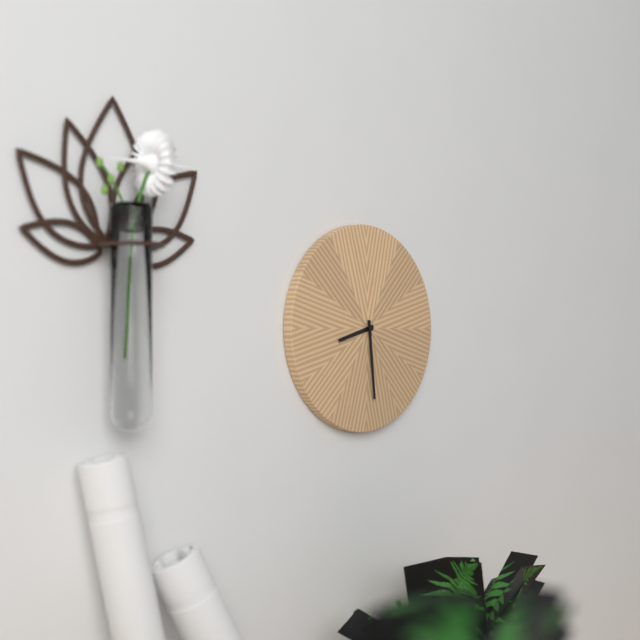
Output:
8,29
